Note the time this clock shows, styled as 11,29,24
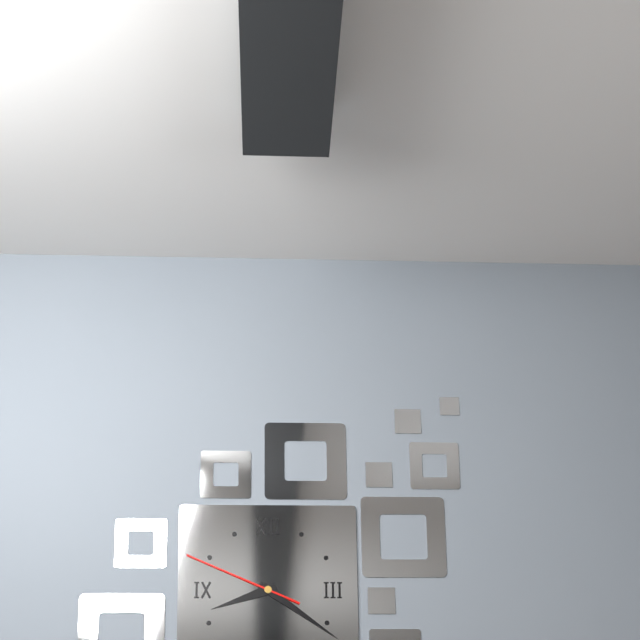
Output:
8,21,49
